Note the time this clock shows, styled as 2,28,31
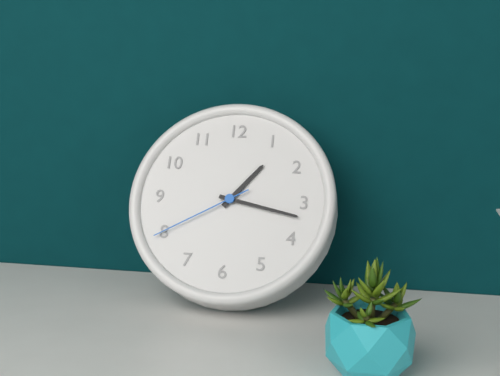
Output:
1,17,40
